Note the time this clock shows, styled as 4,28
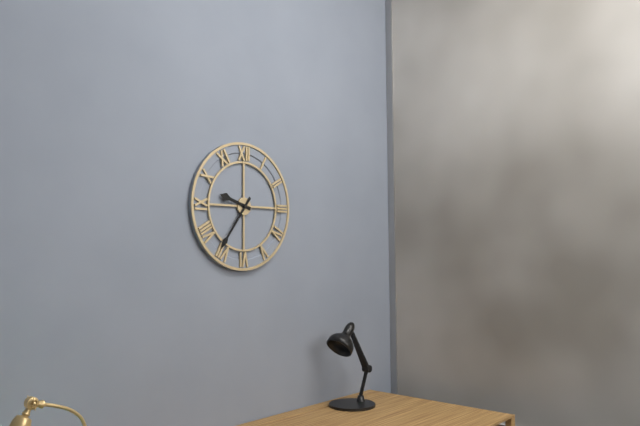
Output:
9,36
